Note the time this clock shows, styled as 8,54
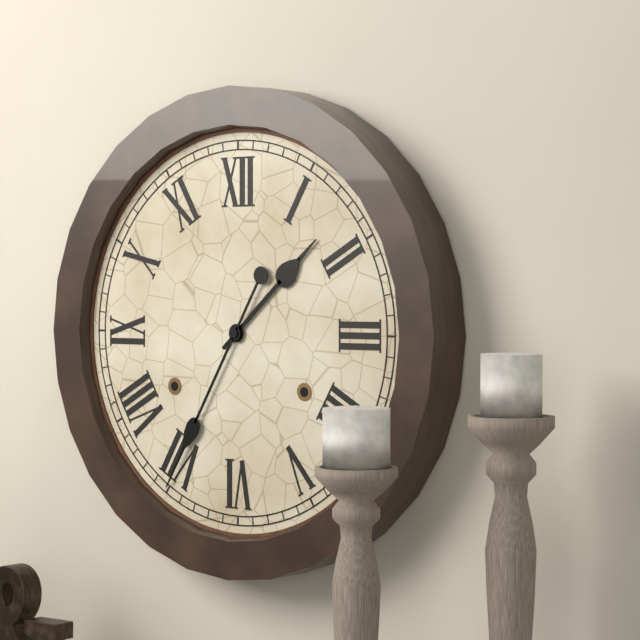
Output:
1,35
